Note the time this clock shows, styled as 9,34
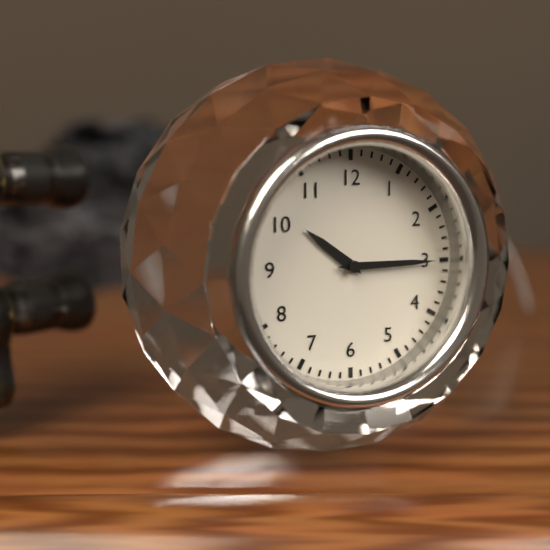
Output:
10,15
